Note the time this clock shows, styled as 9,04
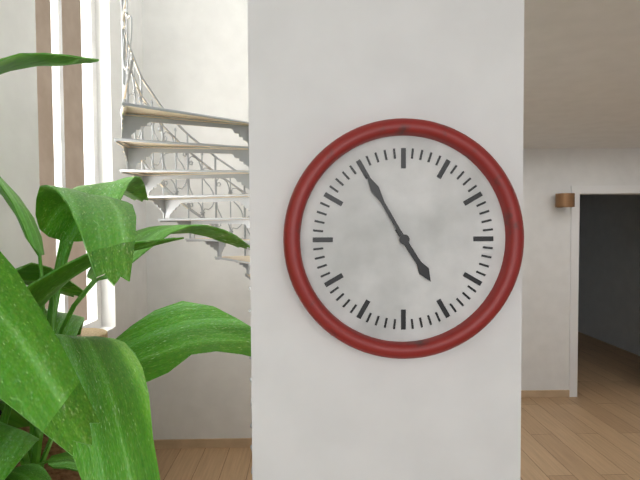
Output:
4,55
